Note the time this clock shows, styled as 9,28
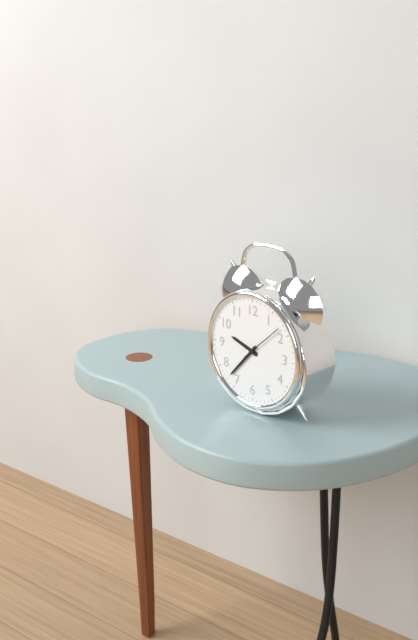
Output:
9,37
